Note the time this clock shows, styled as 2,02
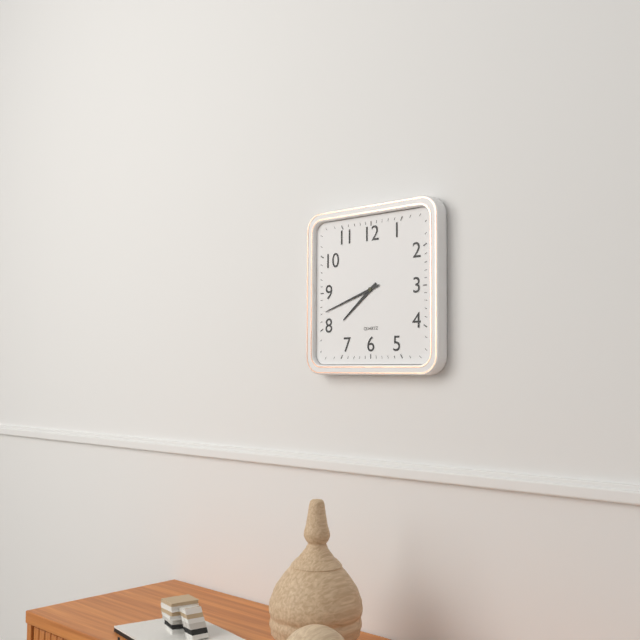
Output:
7,42
